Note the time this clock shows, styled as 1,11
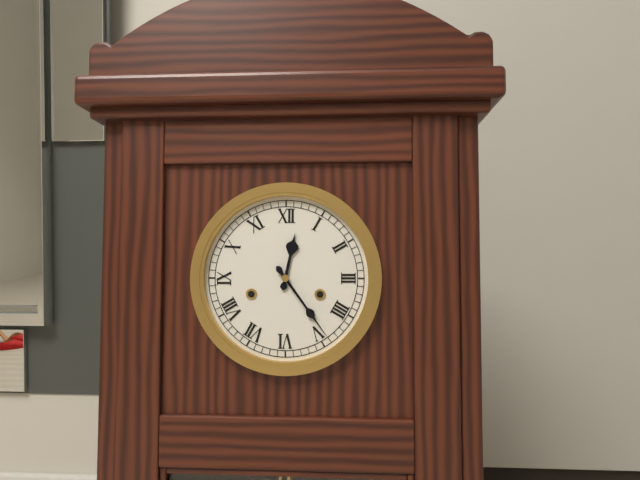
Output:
12,24
